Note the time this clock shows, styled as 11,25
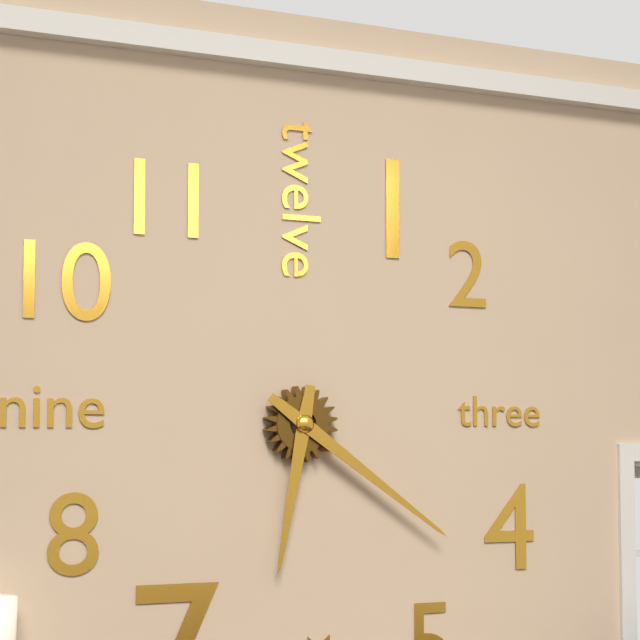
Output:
6,21
